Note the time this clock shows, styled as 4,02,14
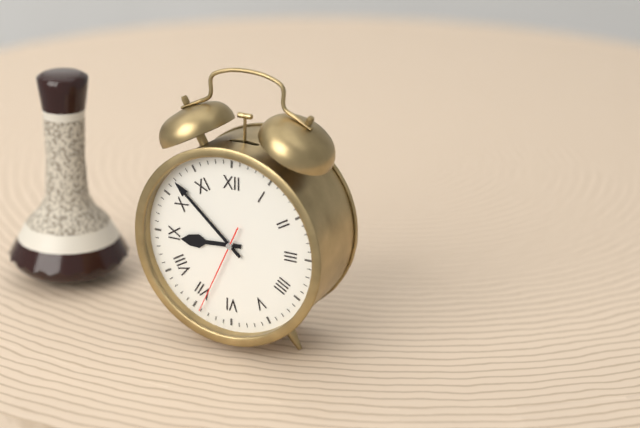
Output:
8,52,34
